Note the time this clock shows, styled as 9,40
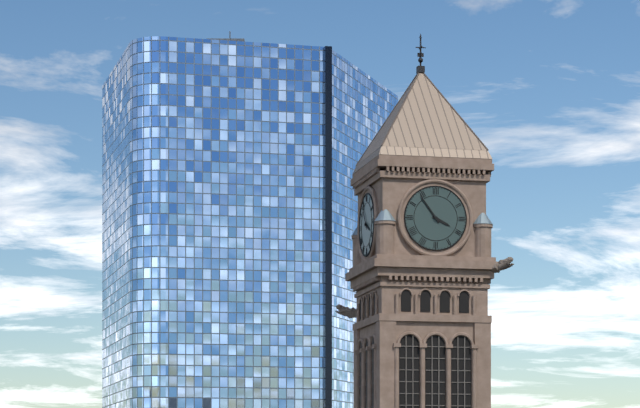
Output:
3,54
